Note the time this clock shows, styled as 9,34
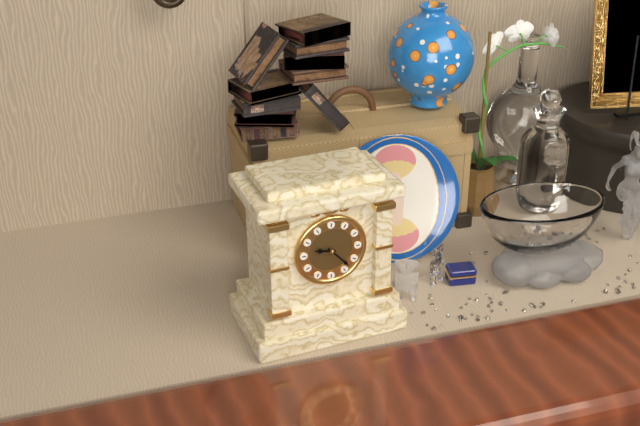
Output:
9,23
